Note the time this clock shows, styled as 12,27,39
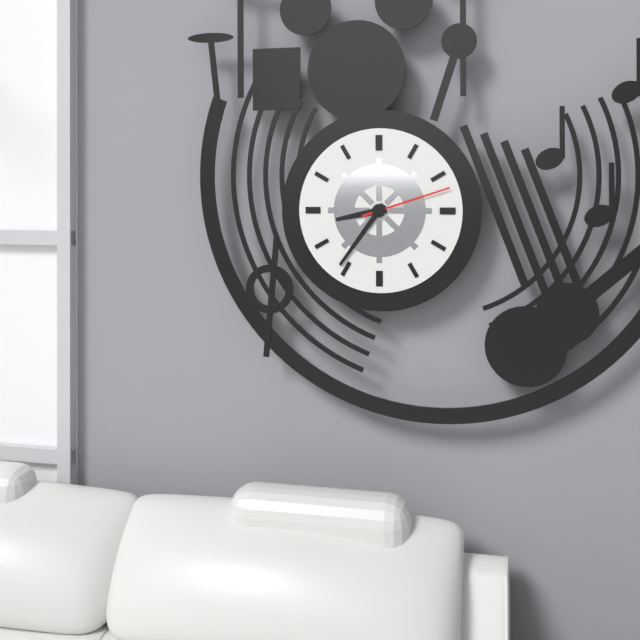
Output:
8,36,12
